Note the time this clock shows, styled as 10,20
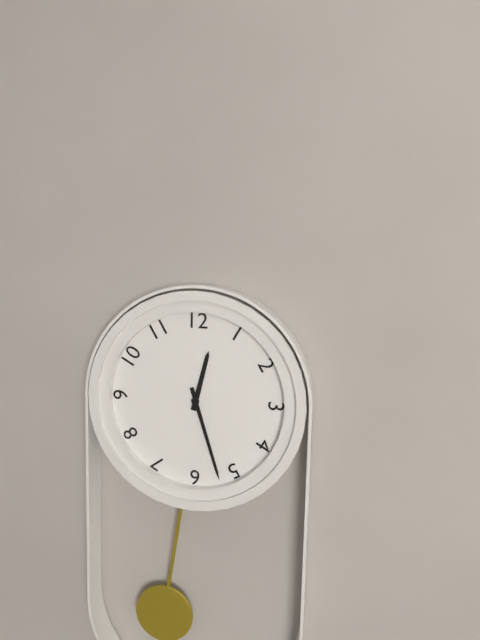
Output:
12,27
